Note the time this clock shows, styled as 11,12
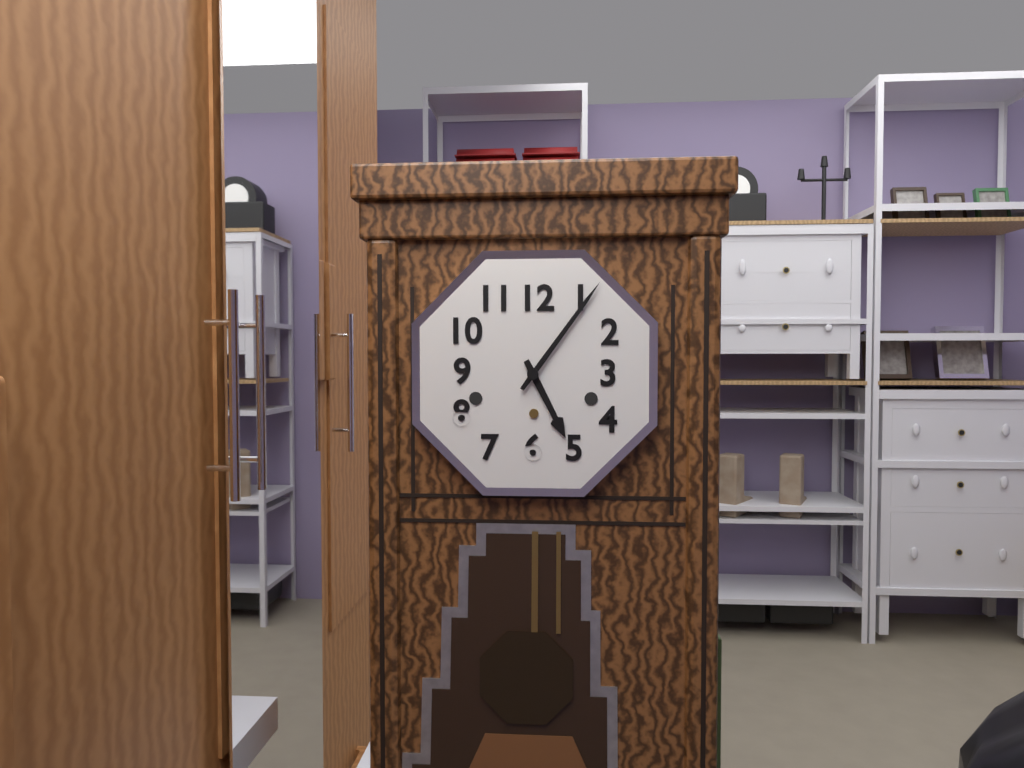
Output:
5,06
